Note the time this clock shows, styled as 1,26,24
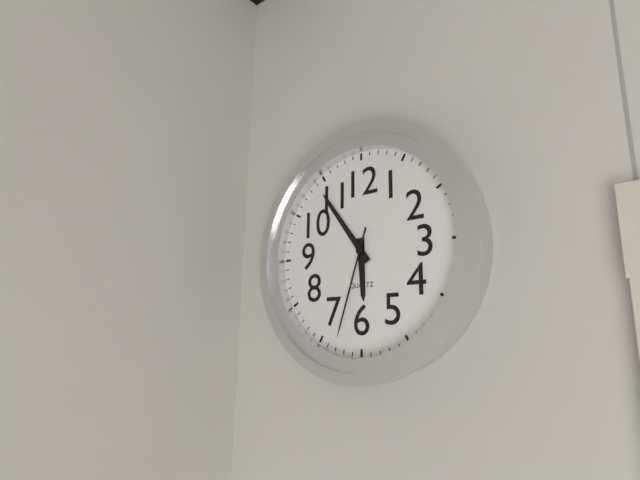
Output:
5,54,33
